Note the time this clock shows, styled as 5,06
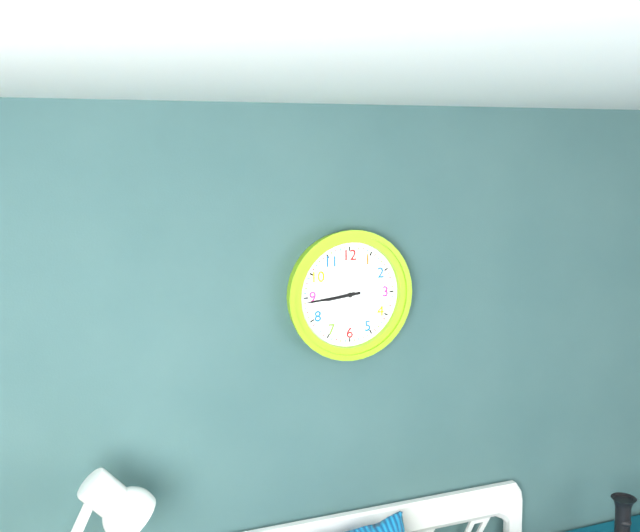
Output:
8,44
